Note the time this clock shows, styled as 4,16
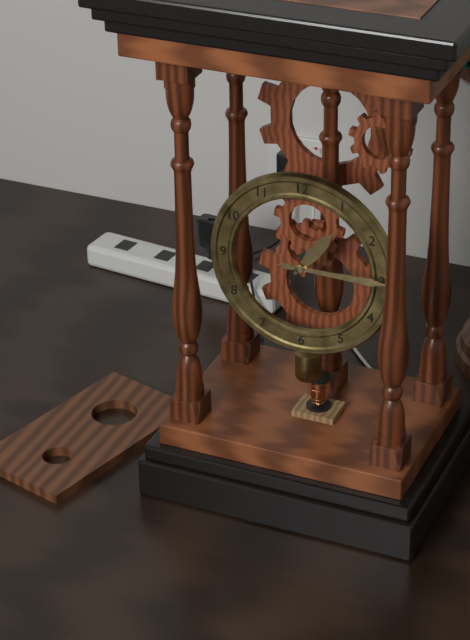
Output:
1,15
